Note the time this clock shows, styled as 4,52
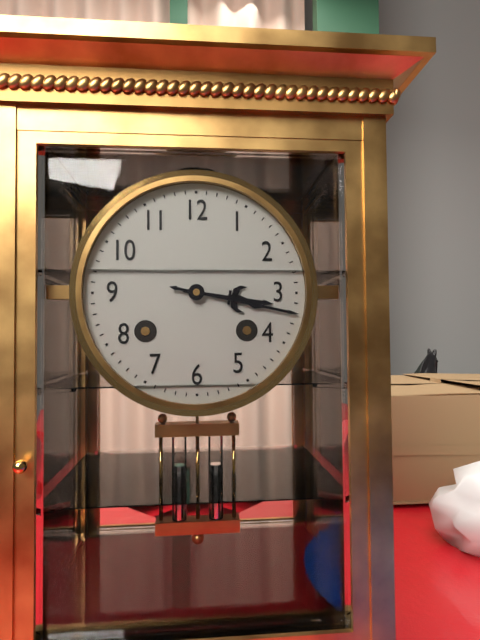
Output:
3,17
